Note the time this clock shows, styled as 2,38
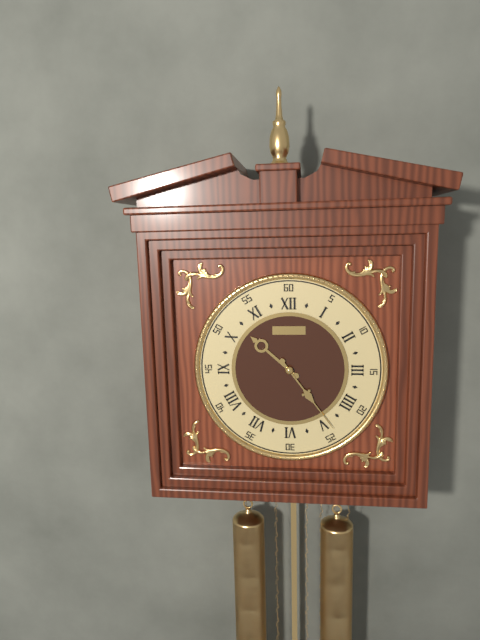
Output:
10,24
